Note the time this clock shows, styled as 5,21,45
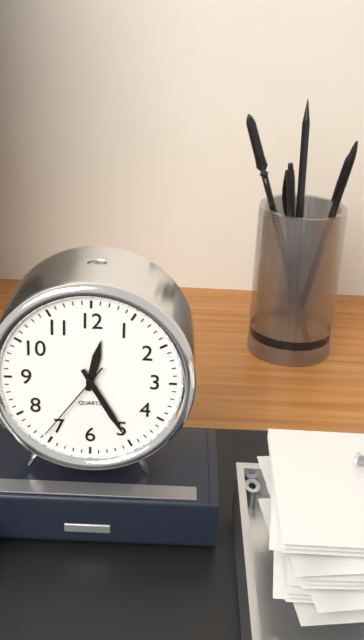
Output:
12,25,36
